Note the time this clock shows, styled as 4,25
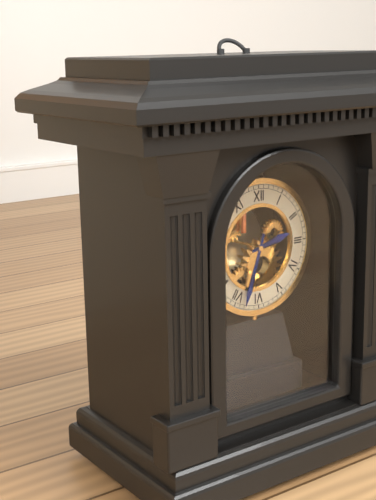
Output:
2,33
